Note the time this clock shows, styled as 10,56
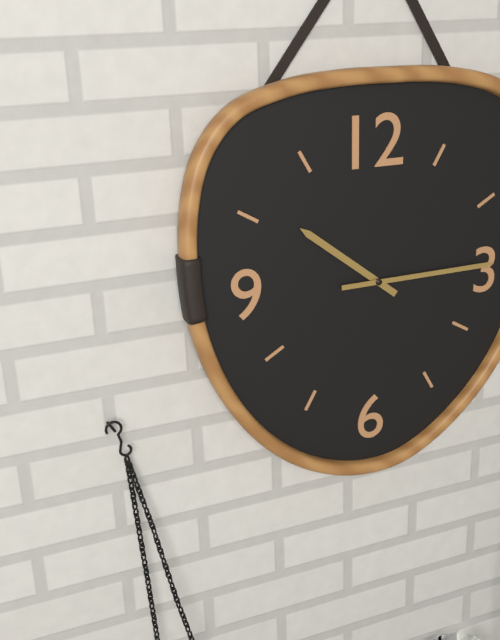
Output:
10,15
